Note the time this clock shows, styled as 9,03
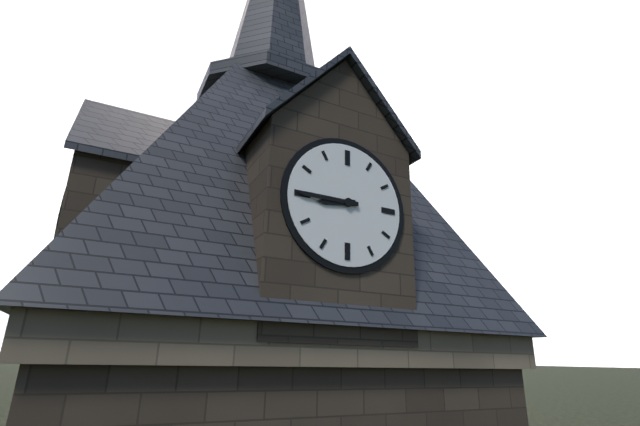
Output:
8,45
